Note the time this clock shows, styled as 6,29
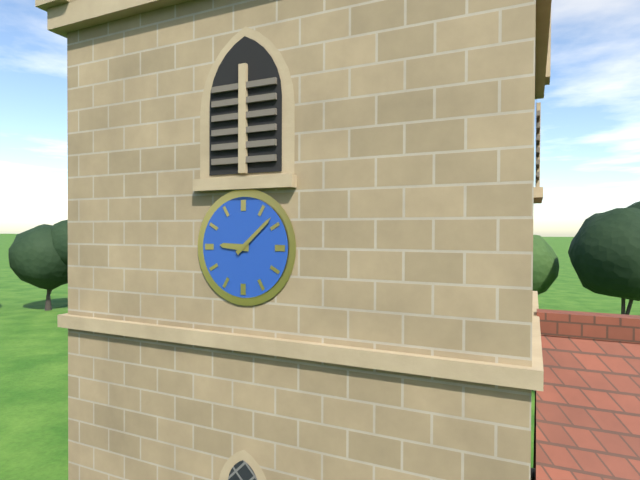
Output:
9,08
